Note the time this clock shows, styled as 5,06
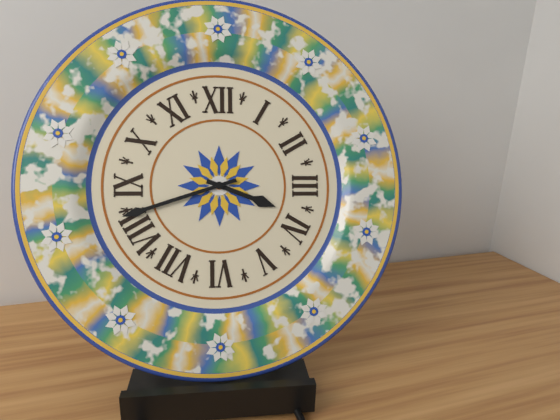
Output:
3,42
